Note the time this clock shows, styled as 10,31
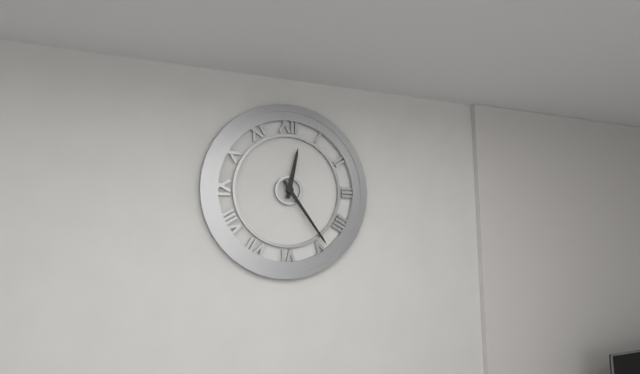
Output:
12,24
